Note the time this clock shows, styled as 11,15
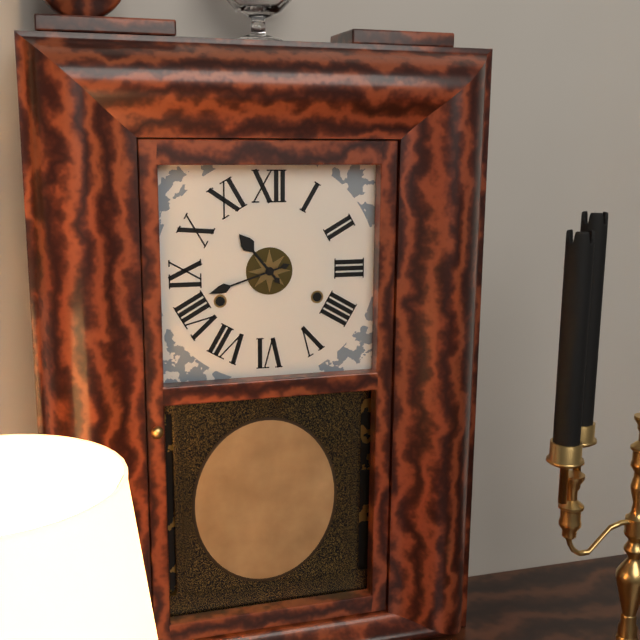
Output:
10,42
